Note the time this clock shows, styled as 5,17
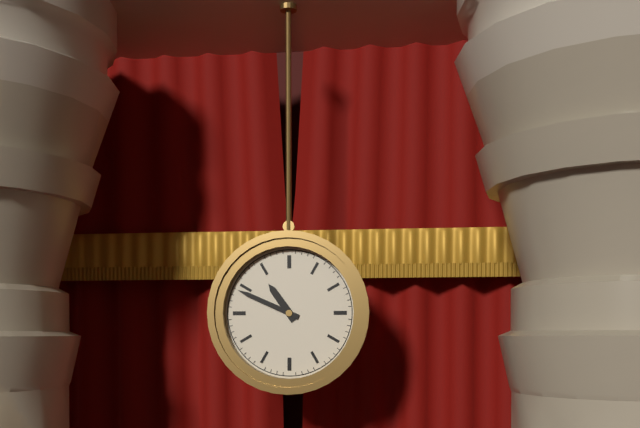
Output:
10,49
